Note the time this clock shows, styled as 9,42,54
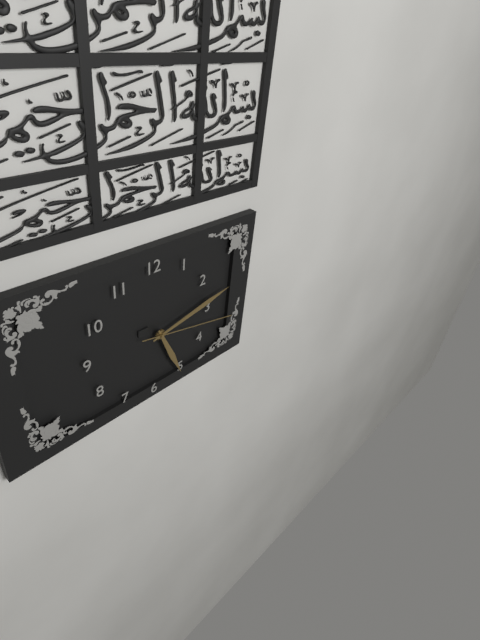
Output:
5,13,17
